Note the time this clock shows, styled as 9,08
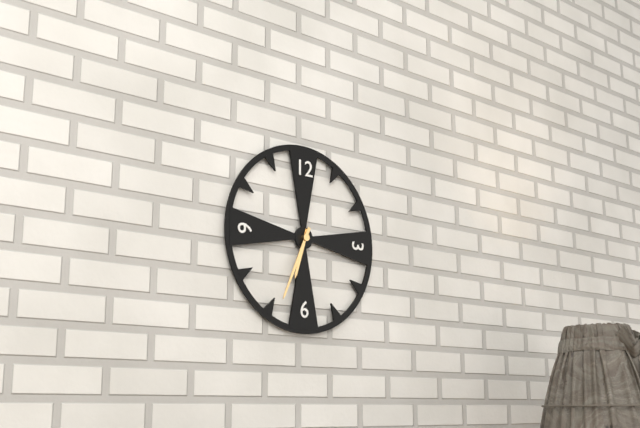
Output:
6,34
